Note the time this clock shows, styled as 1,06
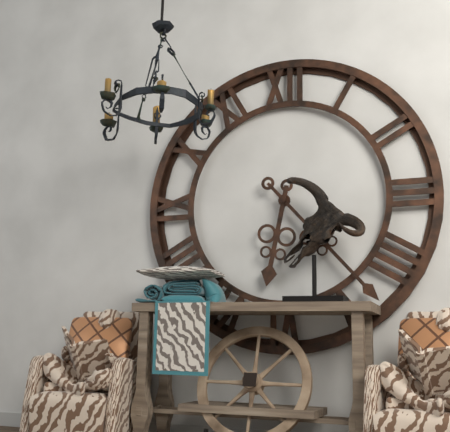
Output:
6,23
